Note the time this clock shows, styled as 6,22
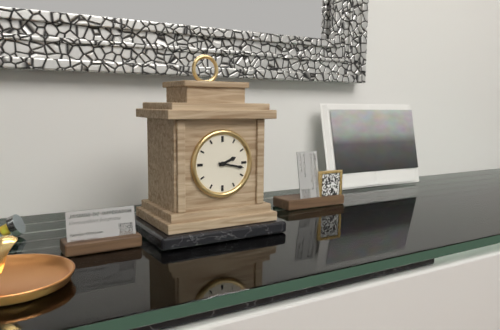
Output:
2,17
